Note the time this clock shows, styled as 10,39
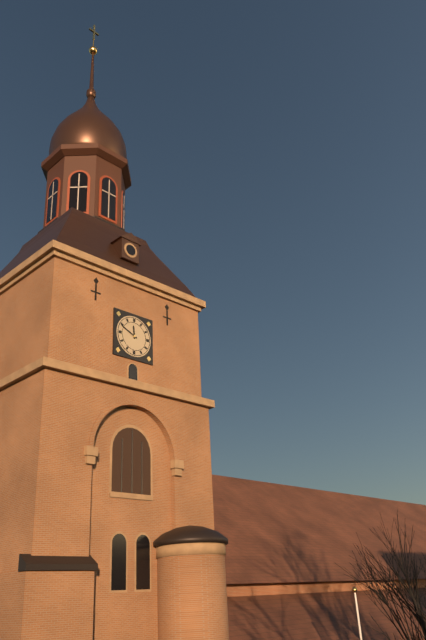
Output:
11,49
